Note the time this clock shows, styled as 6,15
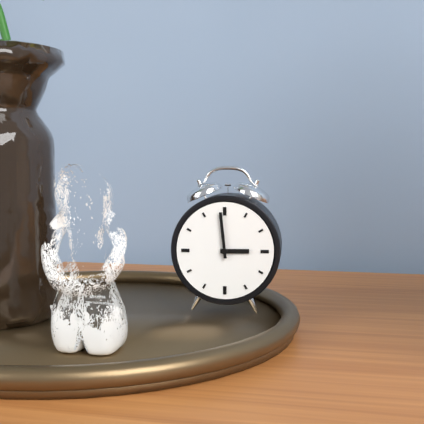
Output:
2,59
